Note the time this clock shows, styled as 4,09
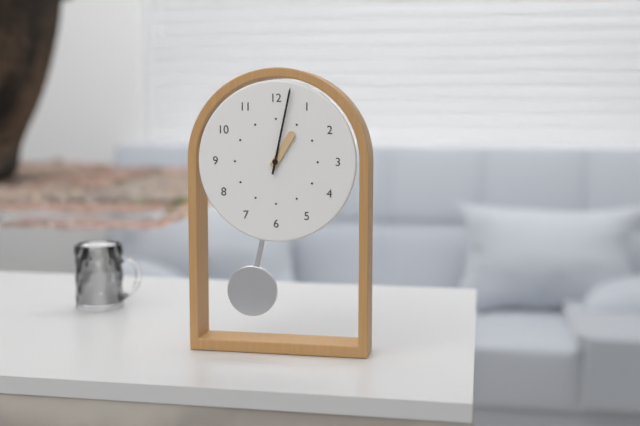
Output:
1,02
